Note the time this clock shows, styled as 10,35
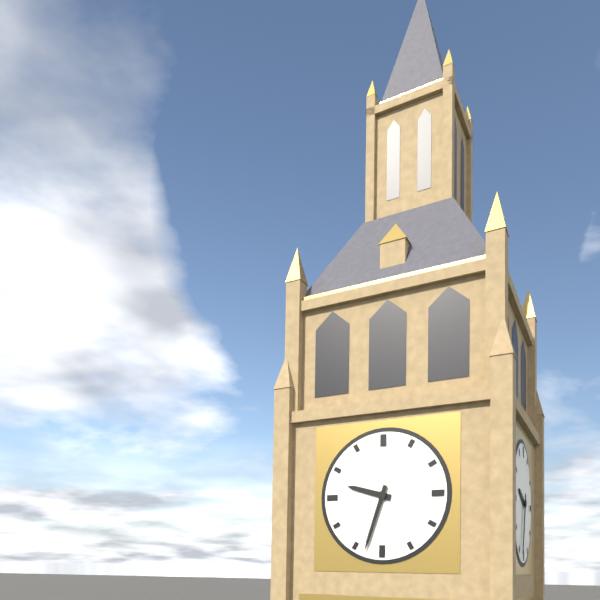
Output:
9,33
